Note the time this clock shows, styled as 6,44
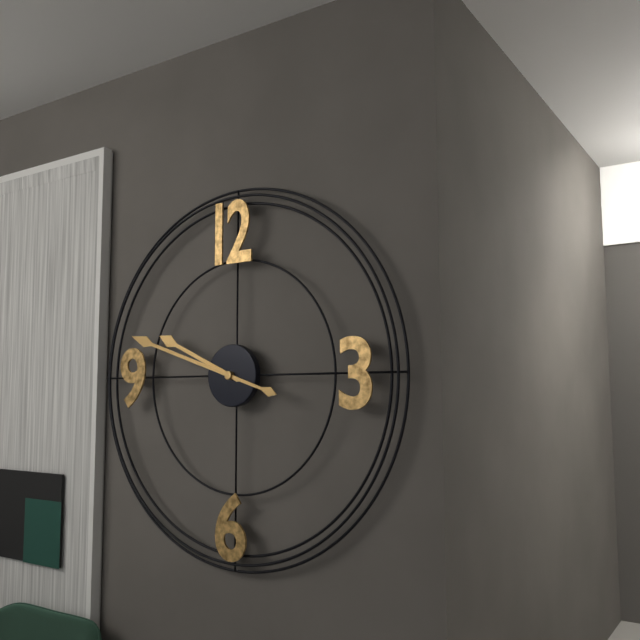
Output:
9,48
